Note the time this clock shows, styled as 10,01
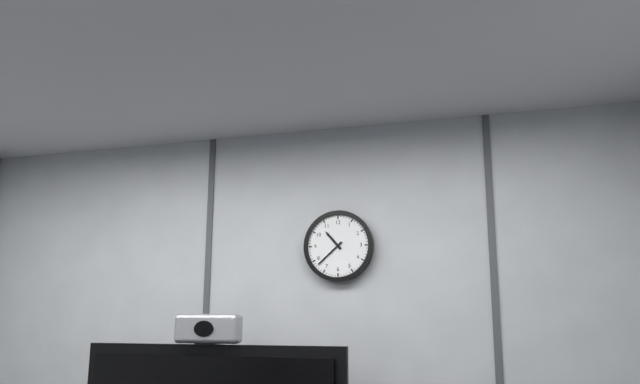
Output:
10,38
